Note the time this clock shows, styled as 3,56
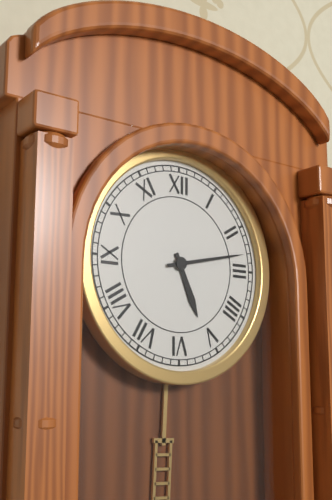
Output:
5,13
